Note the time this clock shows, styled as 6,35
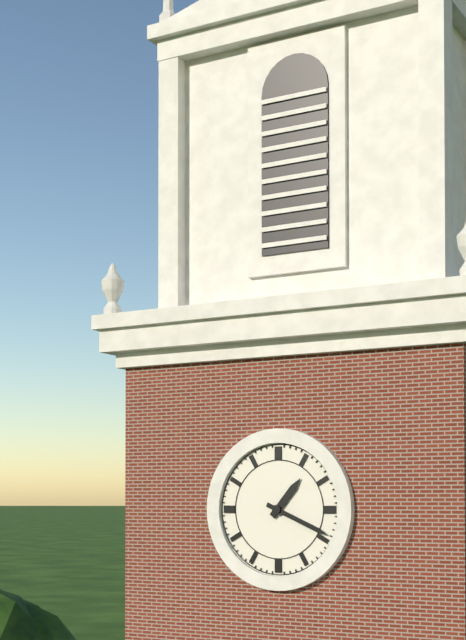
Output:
1,19
